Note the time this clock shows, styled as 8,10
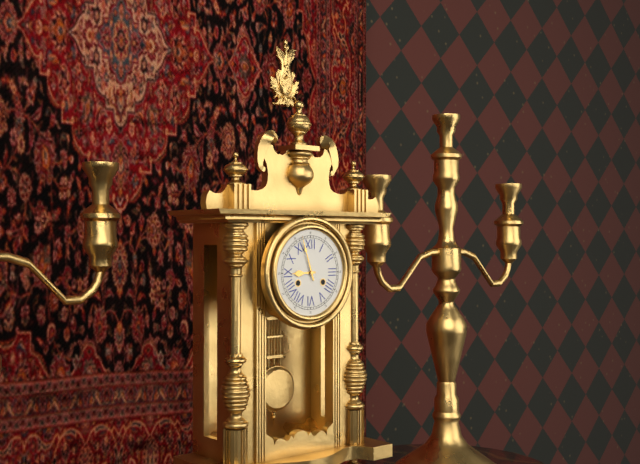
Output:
8,57
